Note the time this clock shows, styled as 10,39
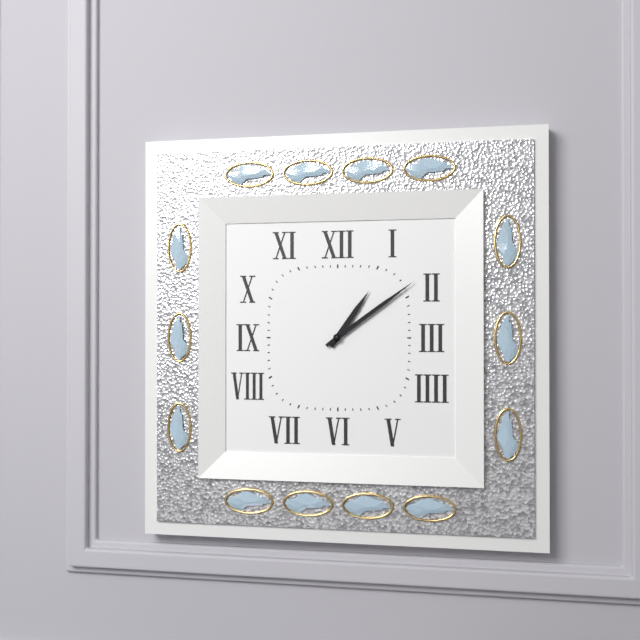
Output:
1,09
